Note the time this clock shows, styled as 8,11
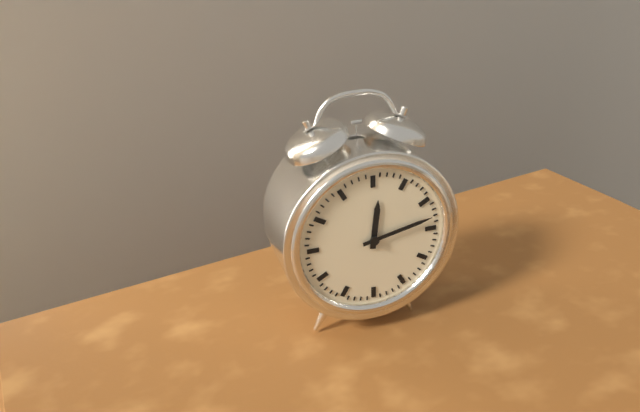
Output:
12,13
